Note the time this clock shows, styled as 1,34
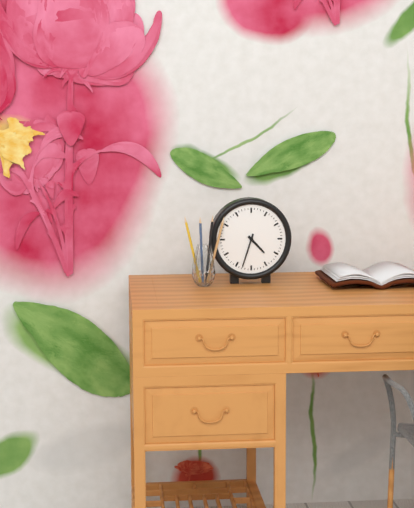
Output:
4,33
